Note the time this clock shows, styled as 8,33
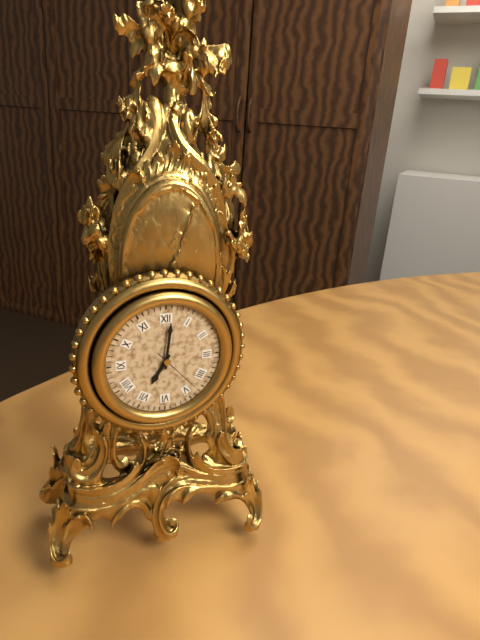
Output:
7,01
